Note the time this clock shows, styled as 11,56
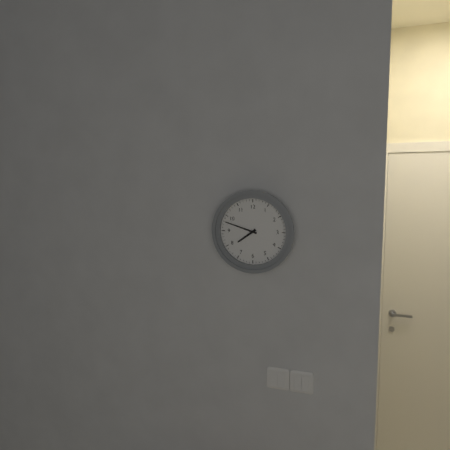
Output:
7,48
